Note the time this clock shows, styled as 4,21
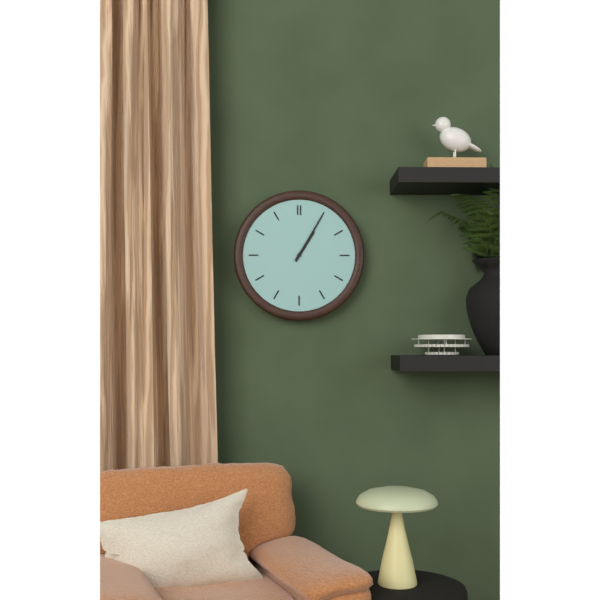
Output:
1,05
